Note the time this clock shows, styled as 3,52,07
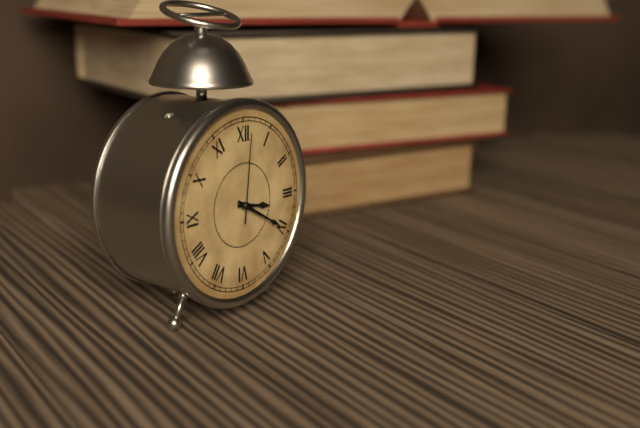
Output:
3,20,01
